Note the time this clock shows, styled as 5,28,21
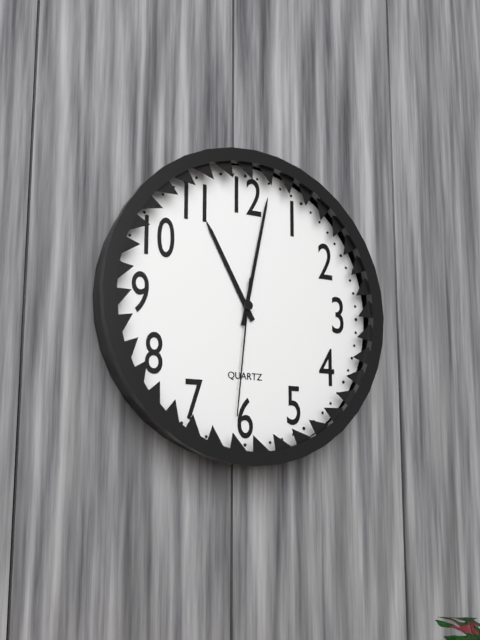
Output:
11,02,31
